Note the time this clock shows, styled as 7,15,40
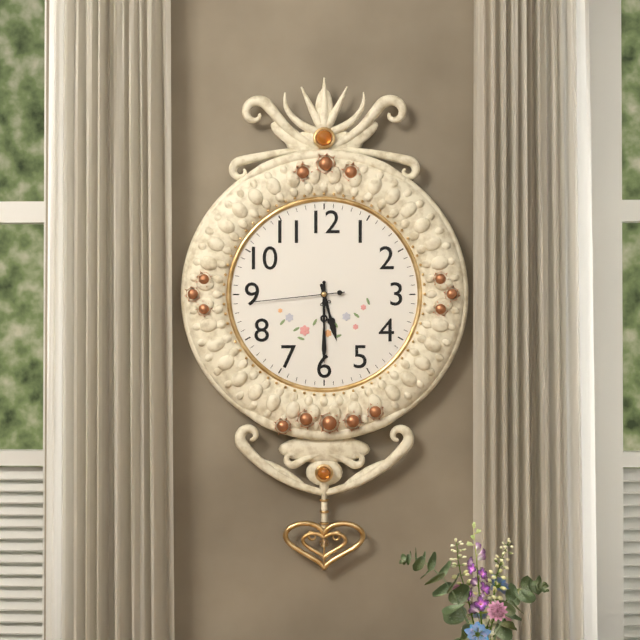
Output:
5,30,44
